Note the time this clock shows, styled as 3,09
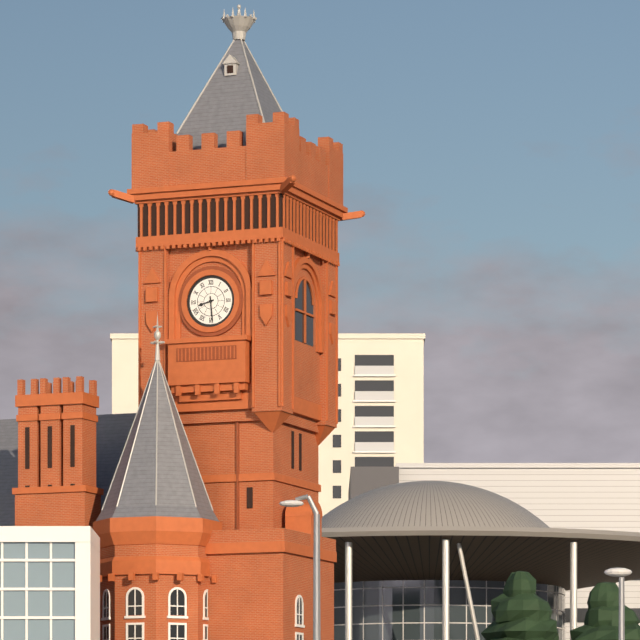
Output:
8,29
